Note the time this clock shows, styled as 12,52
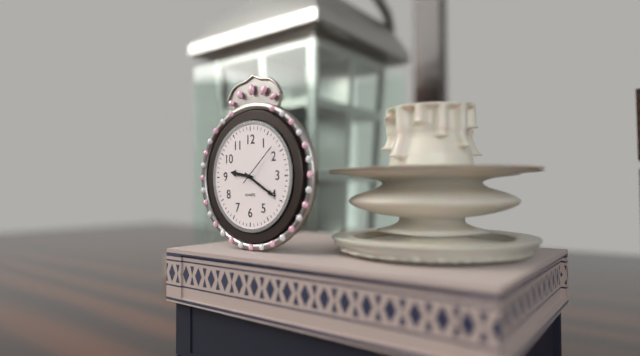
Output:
9,20
